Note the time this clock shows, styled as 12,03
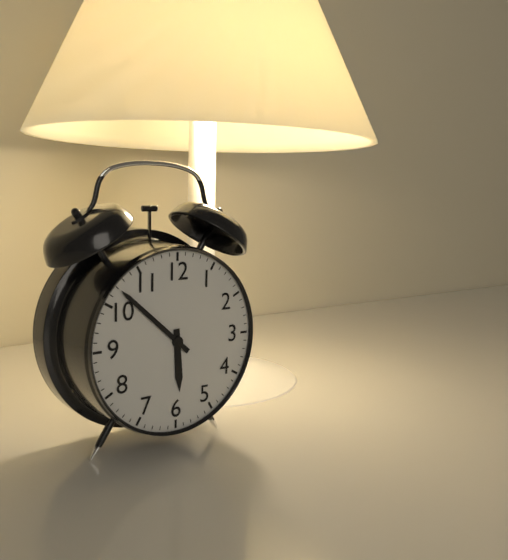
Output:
5,52
